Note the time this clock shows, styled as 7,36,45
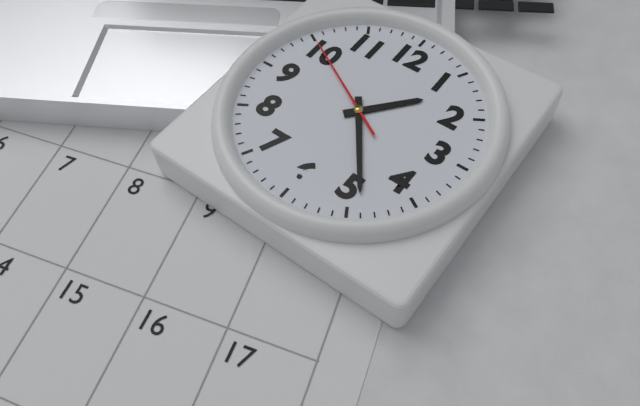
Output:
1,24,50
